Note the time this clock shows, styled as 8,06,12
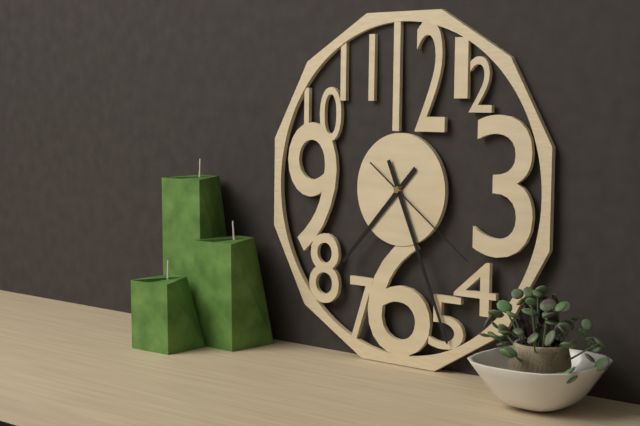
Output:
7,26,21
